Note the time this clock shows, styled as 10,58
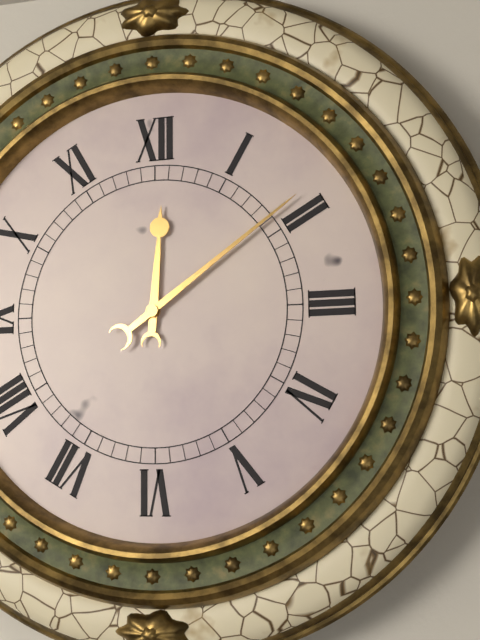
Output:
12,09
